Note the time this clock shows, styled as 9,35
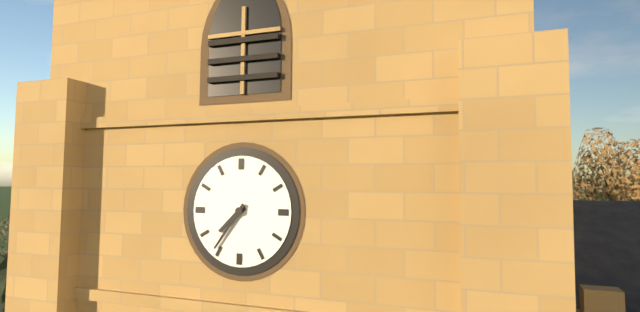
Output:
7,36
